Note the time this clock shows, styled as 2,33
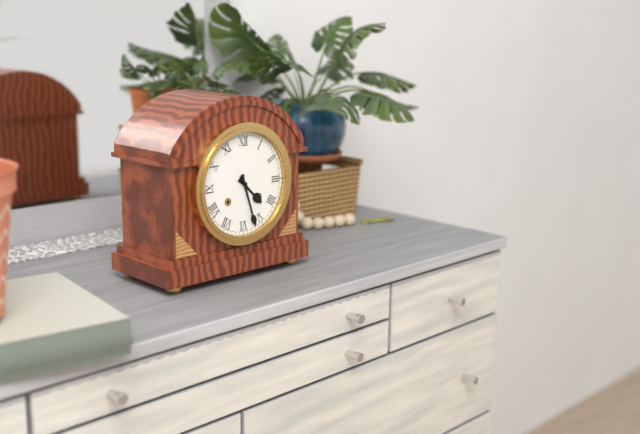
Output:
4,27
